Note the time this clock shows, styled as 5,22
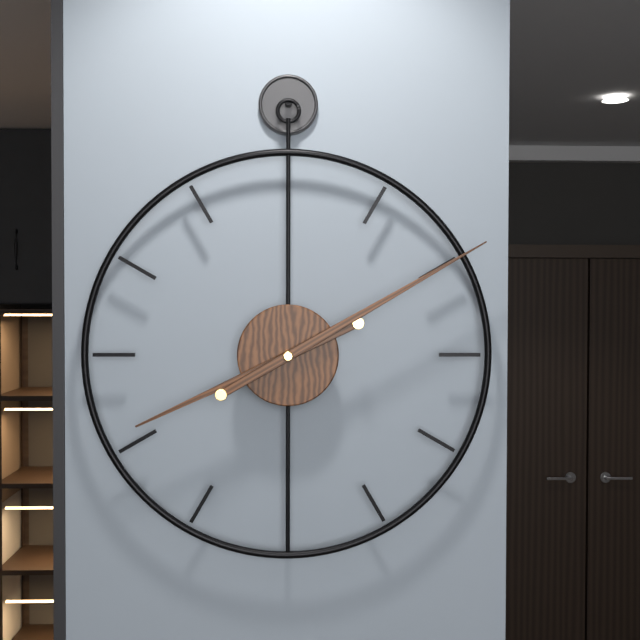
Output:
8,10
